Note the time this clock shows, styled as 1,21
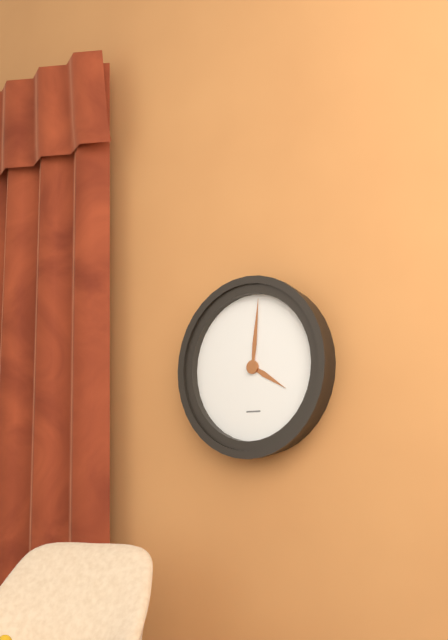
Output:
4,01
